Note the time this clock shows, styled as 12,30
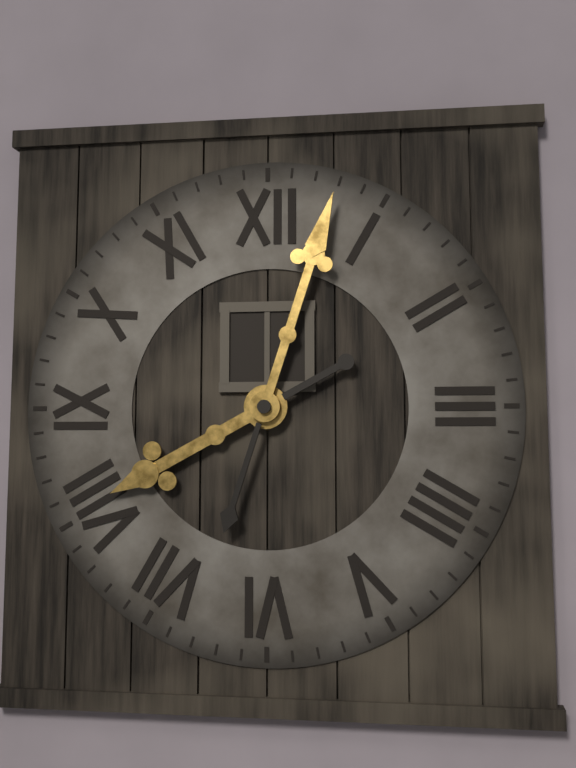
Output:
8,03
